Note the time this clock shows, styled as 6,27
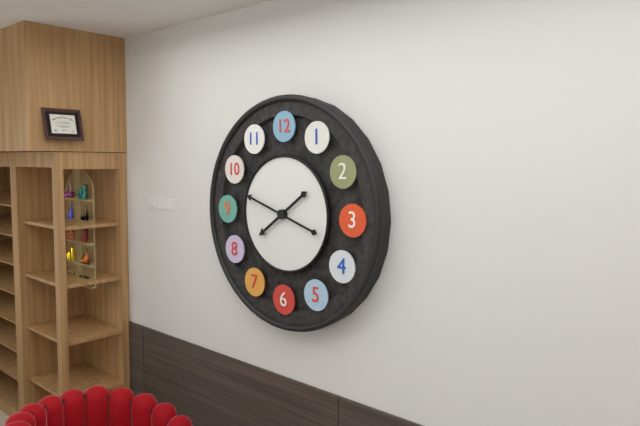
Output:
7,48
